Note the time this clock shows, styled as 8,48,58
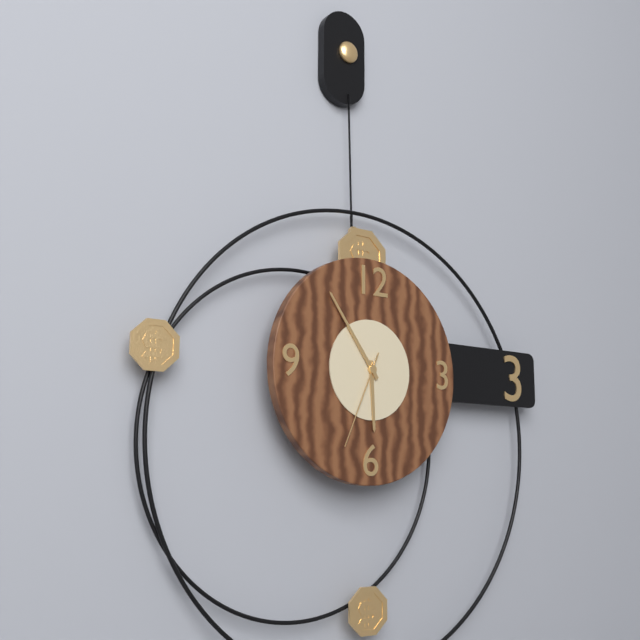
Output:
5,54,34
